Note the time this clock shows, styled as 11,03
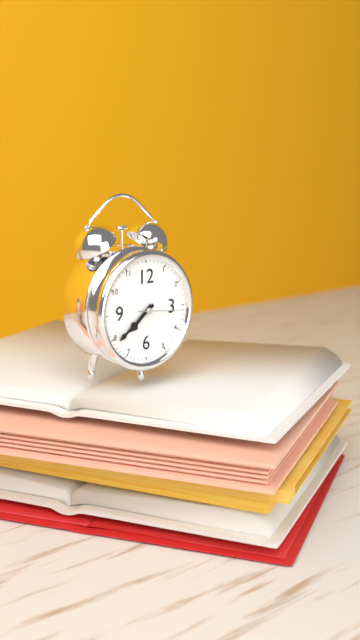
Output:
7,39
